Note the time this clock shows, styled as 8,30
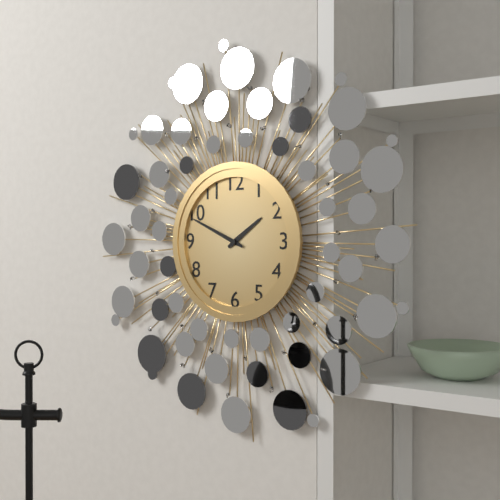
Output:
1,49
